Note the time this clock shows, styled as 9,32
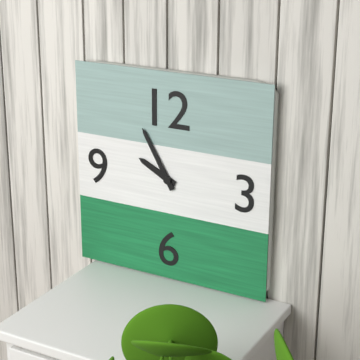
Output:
9,55
